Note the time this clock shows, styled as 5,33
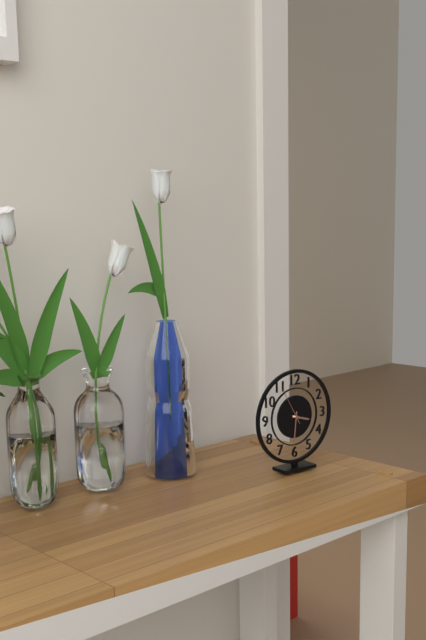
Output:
3,31
